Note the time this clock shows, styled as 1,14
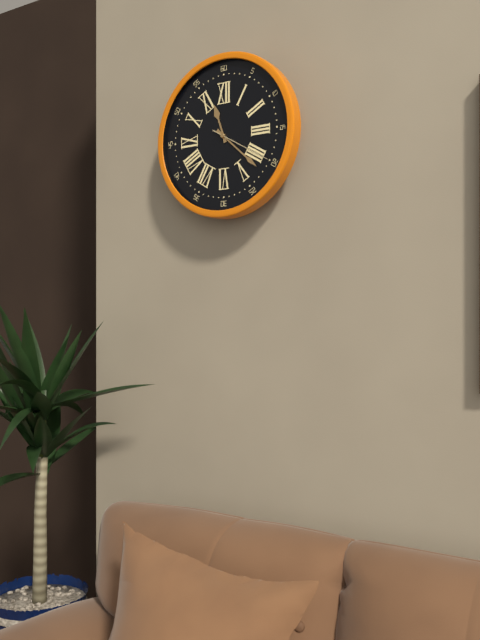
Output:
11,22
